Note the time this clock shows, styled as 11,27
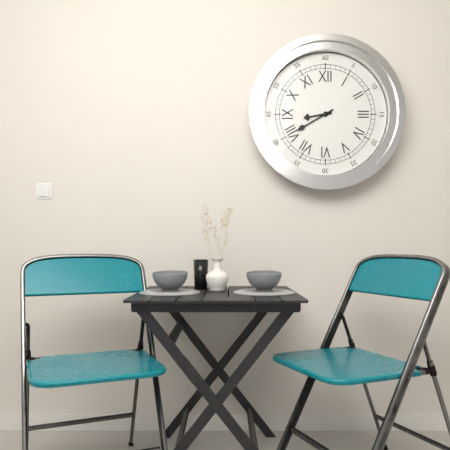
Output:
8,40
